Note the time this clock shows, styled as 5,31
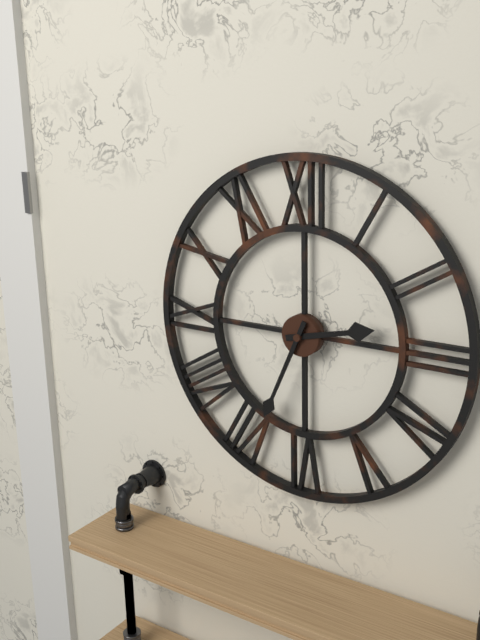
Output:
2,34
